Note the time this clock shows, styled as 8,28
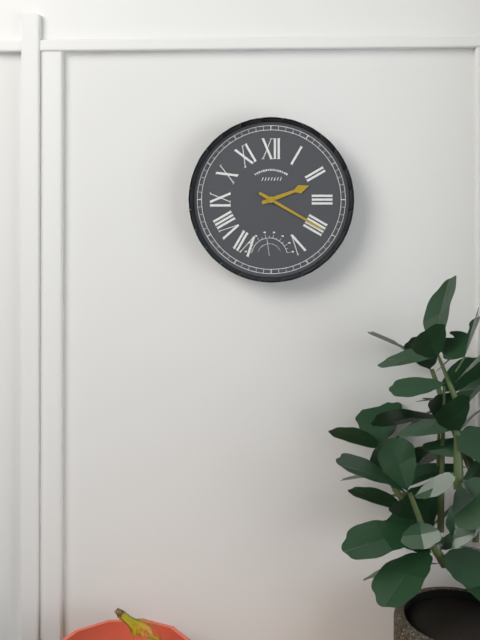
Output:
2,20
